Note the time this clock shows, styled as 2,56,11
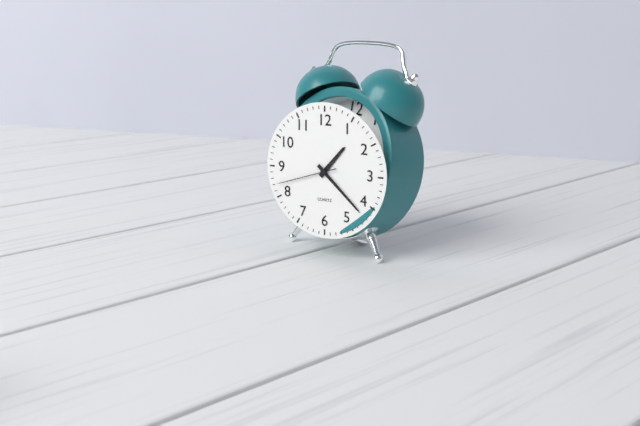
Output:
1,22,42
